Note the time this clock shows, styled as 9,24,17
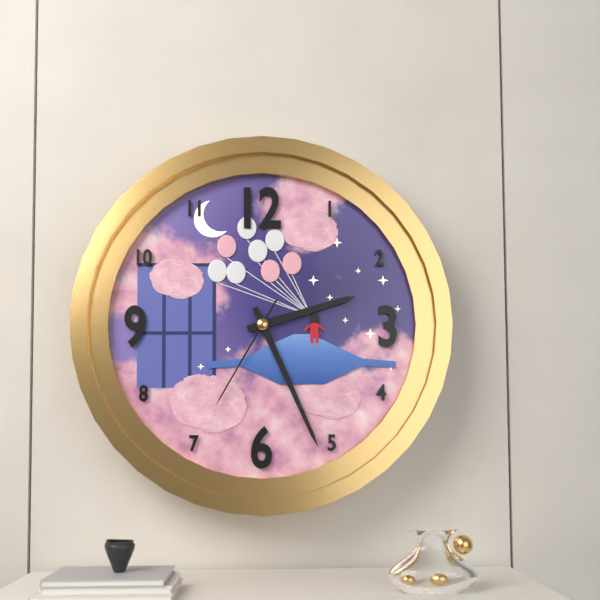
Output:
2,26,35
